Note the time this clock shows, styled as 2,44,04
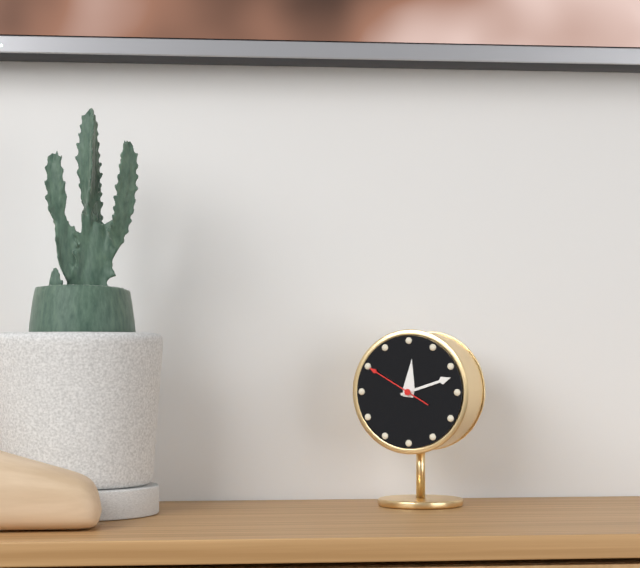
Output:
12,12,50
